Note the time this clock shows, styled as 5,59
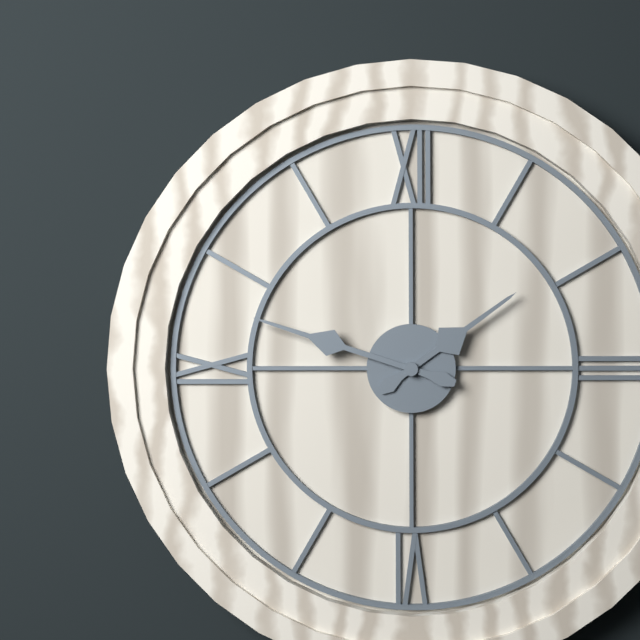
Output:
1,48
